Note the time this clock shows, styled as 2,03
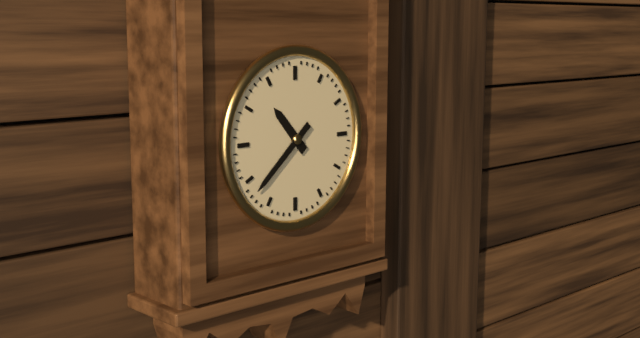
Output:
10,38
